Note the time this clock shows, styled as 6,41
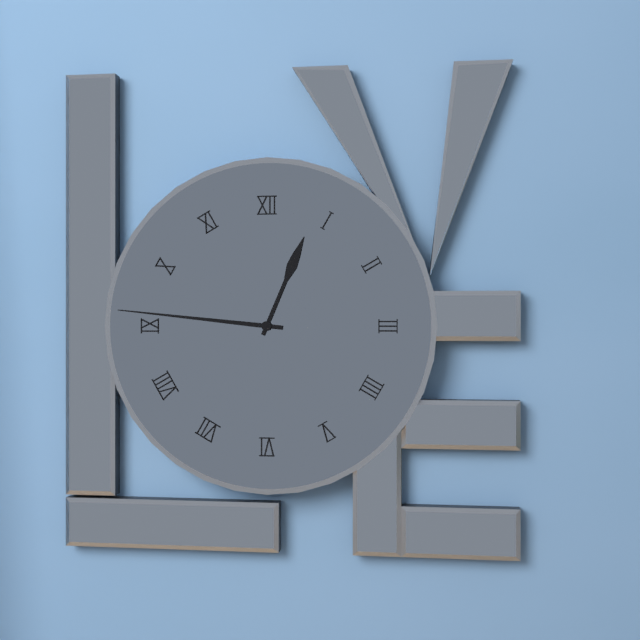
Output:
12,46
